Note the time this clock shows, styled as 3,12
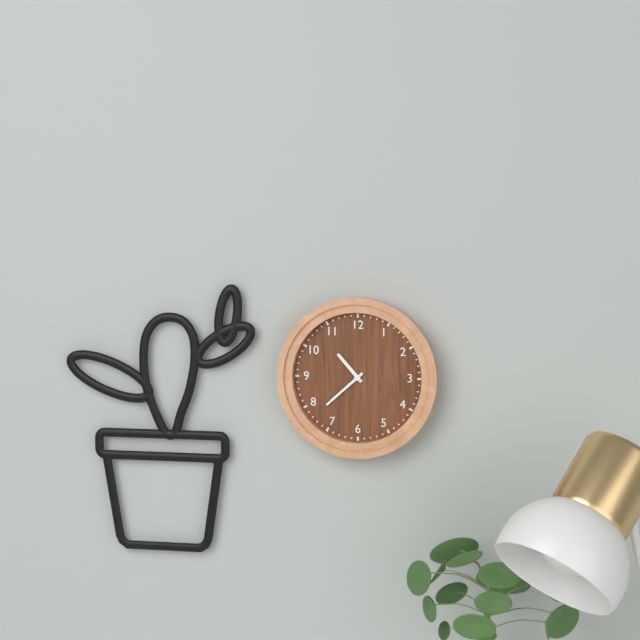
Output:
10,38
